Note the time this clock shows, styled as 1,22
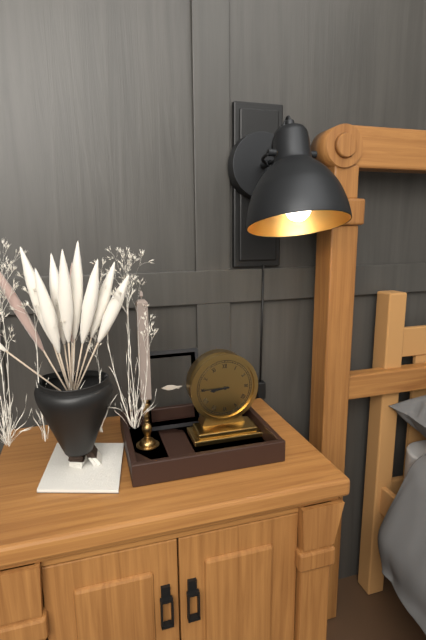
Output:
8,45
